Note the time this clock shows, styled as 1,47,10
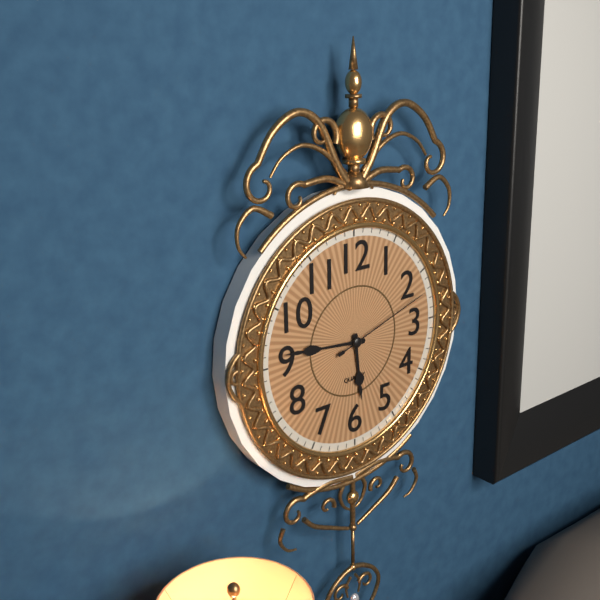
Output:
5,46,12
